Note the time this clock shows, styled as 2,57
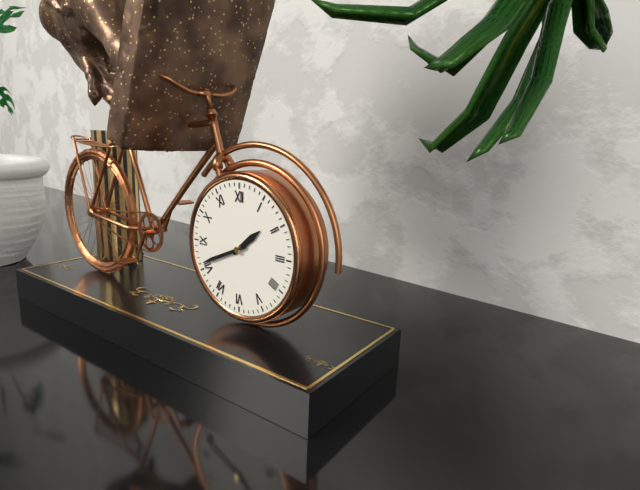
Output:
1,41
